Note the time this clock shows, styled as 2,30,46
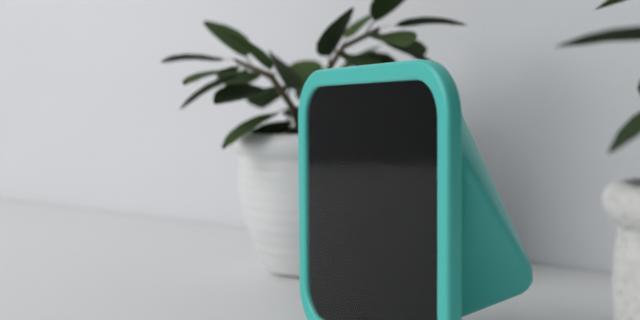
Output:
6,00,01
